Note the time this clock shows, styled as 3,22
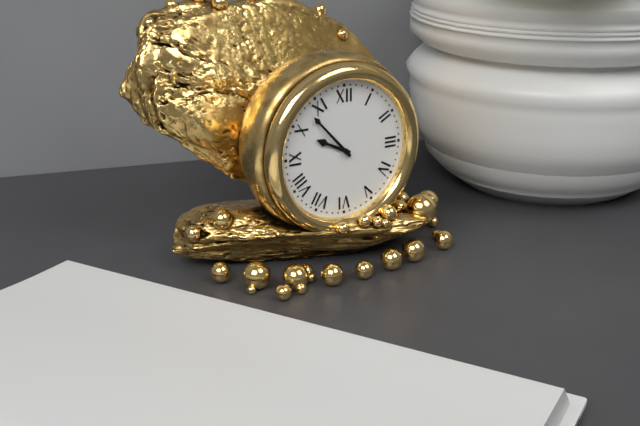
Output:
9,53
